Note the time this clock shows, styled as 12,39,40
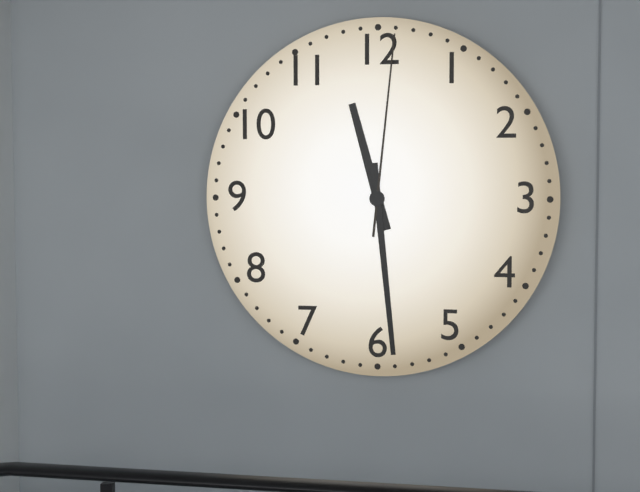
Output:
11,29,01
